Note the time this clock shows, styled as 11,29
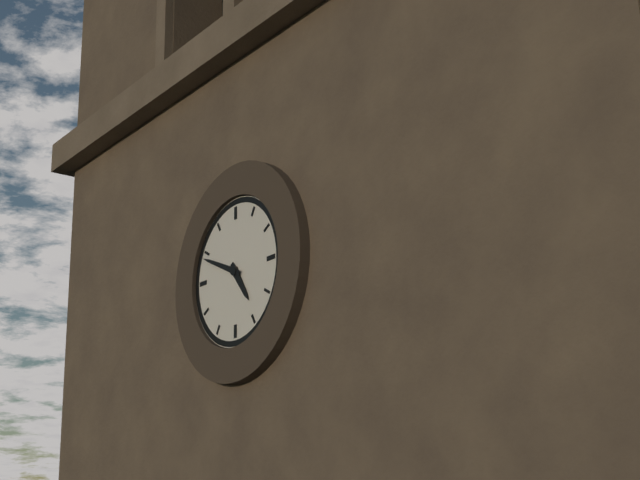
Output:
4,49
